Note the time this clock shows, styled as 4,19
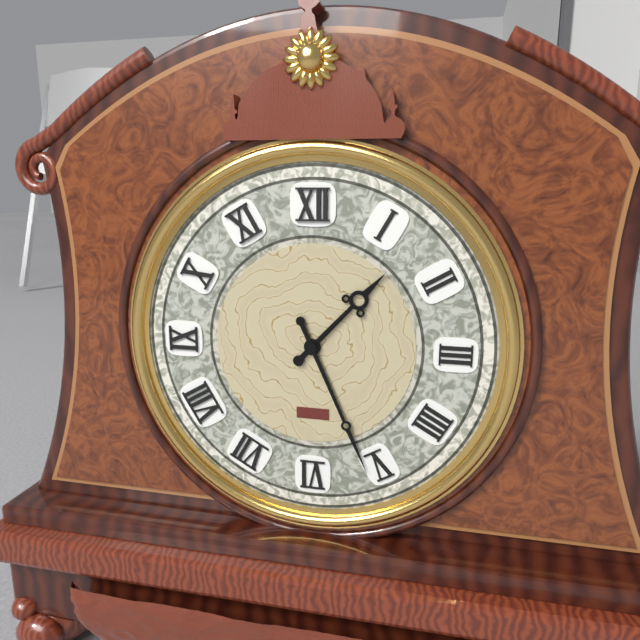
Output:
1,26
